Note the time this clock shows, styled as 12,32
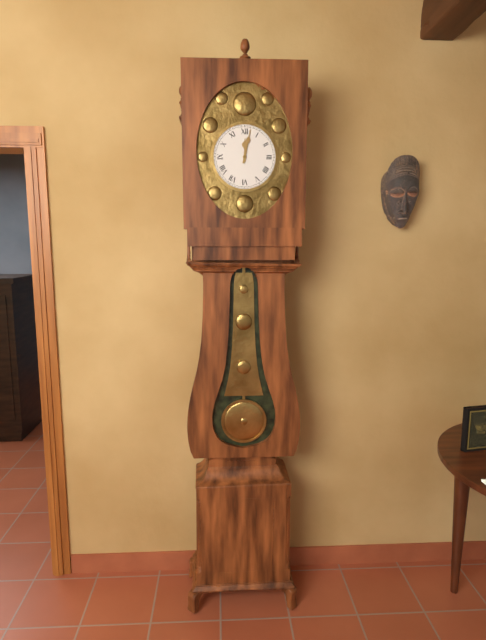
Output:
12,02
